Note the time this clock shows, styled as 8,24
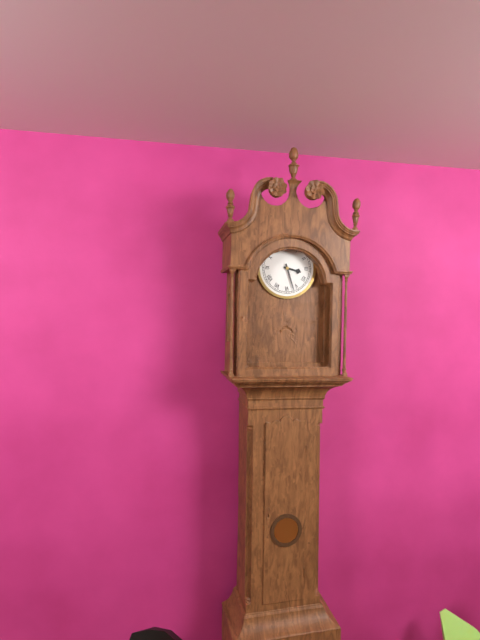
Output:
3,27
